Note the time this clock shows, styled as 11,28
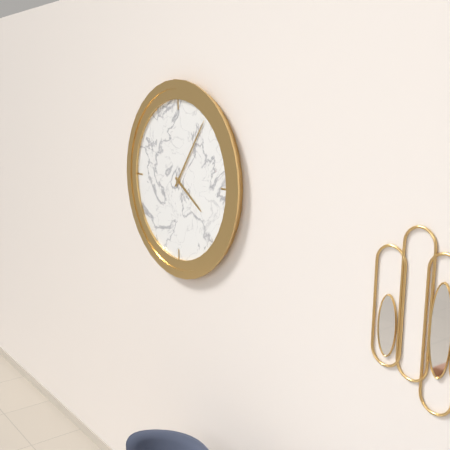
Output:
4,06
